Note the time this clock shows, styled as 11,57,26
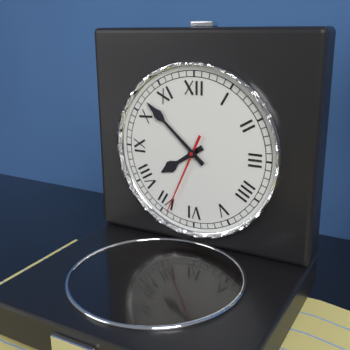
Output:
7,52,34
